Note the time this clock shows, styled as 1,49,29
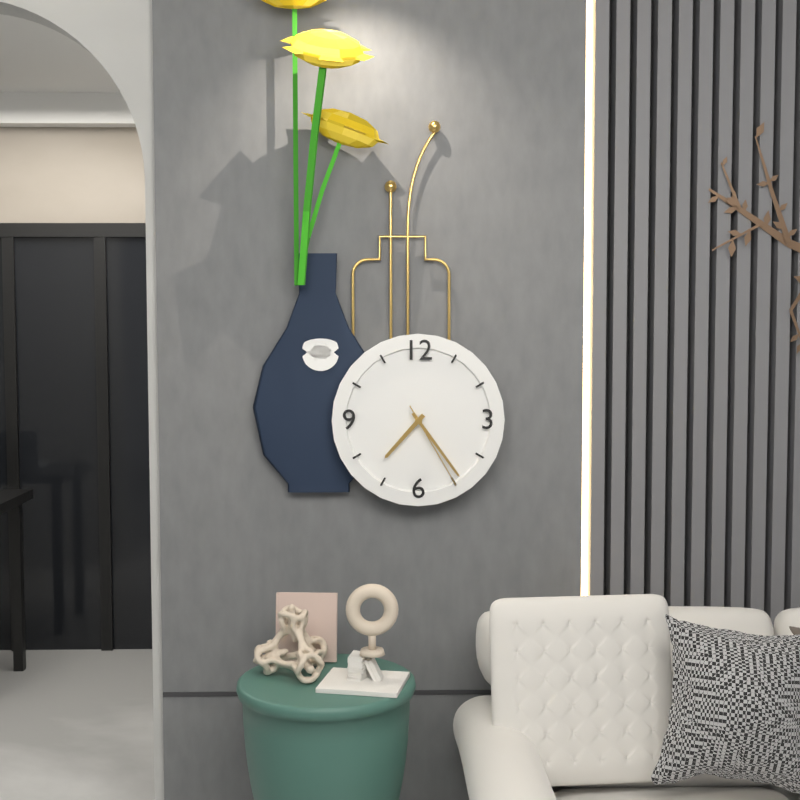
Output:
7,24,25
